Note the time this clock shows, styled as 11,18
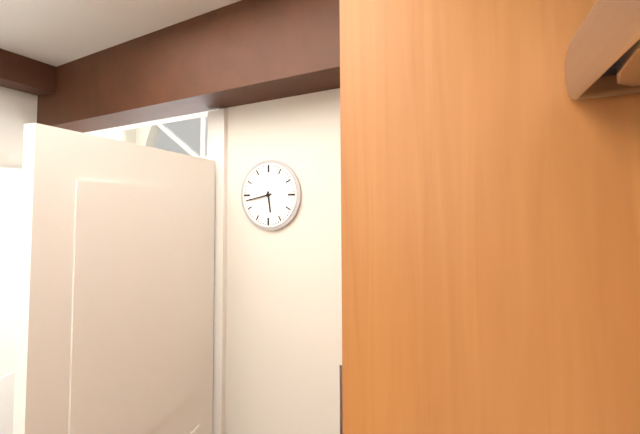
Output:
5,43
